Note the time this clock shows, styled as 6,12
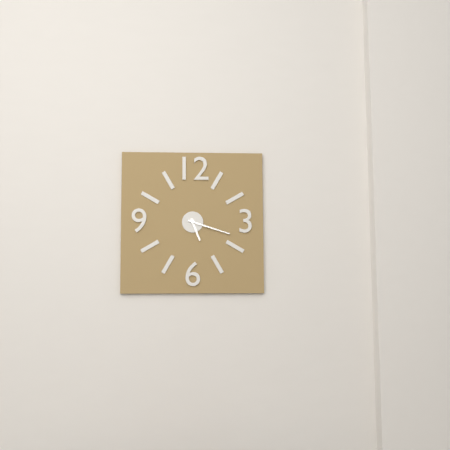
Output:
5,18
